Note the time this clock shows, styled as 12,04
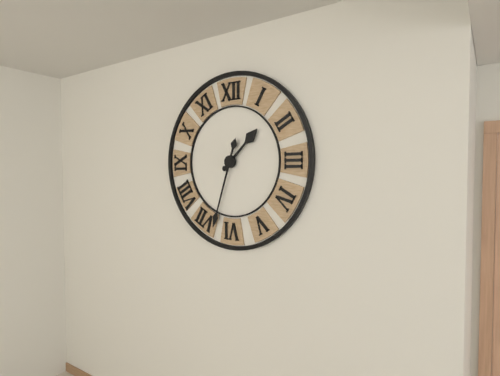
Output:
1,33
